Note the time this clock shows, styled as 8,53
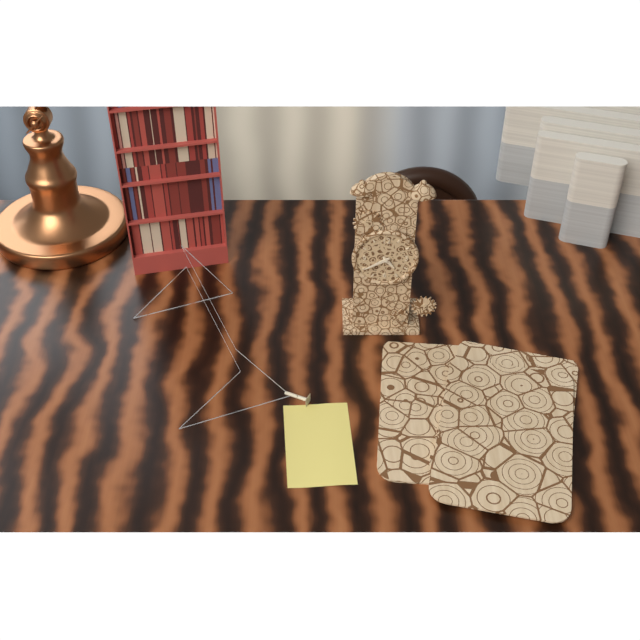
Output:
4,40
